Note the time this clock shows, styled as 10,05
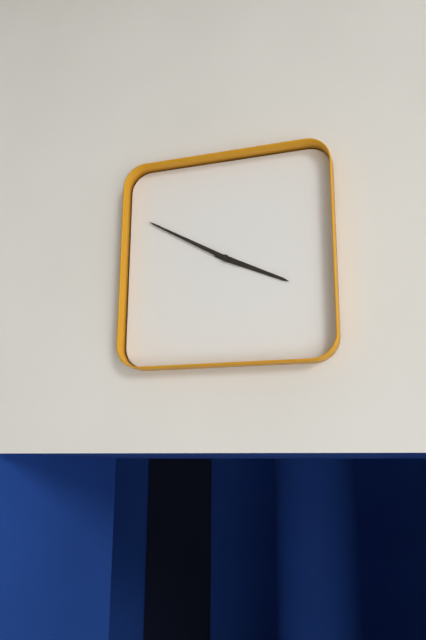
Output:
3,50
